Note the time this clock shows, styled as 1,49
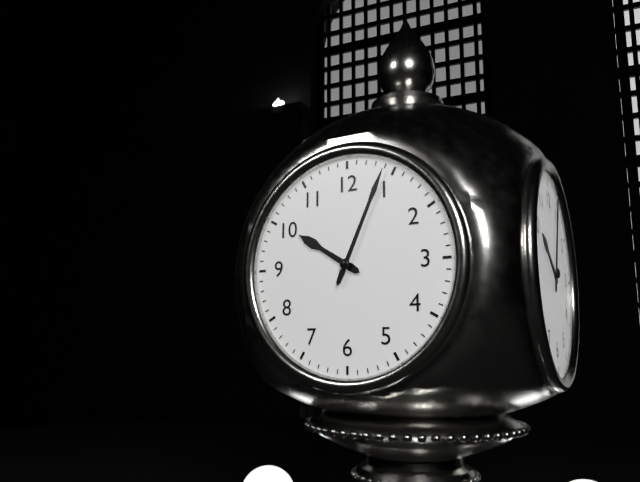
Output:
10,04
